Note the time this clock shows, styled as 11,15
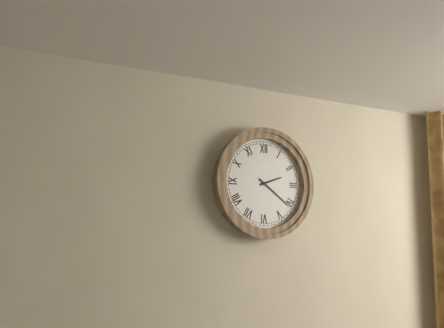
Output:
2,21
